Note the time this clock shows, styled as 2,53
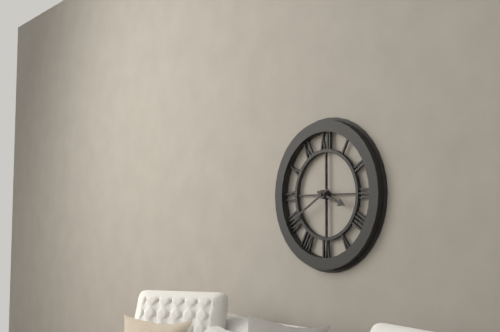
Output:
3,40
